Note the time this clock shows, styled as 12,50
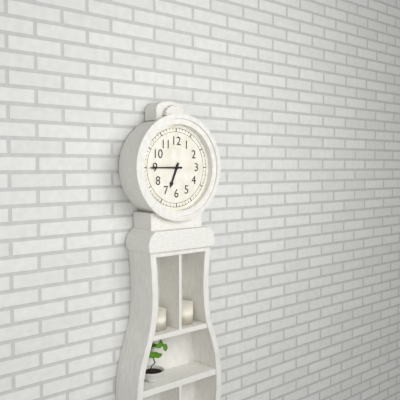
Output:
6,45
